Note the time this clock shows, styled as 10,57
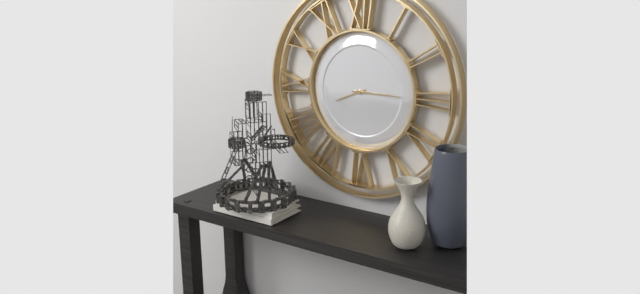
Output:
8,15
